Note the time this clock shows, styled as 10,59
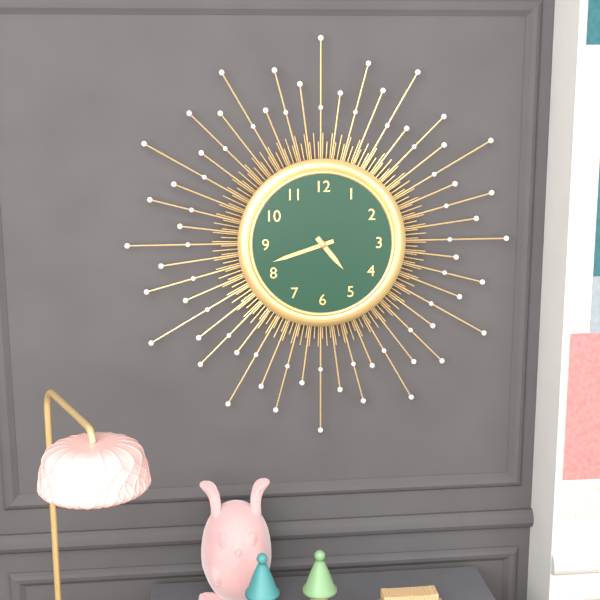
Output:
4,42
